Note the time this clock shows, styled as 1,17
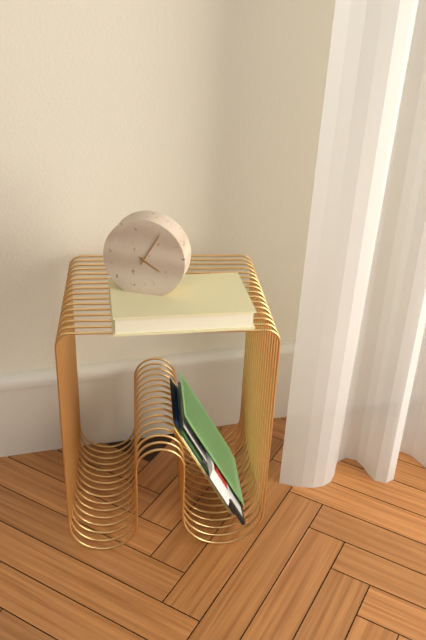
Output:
4,05
